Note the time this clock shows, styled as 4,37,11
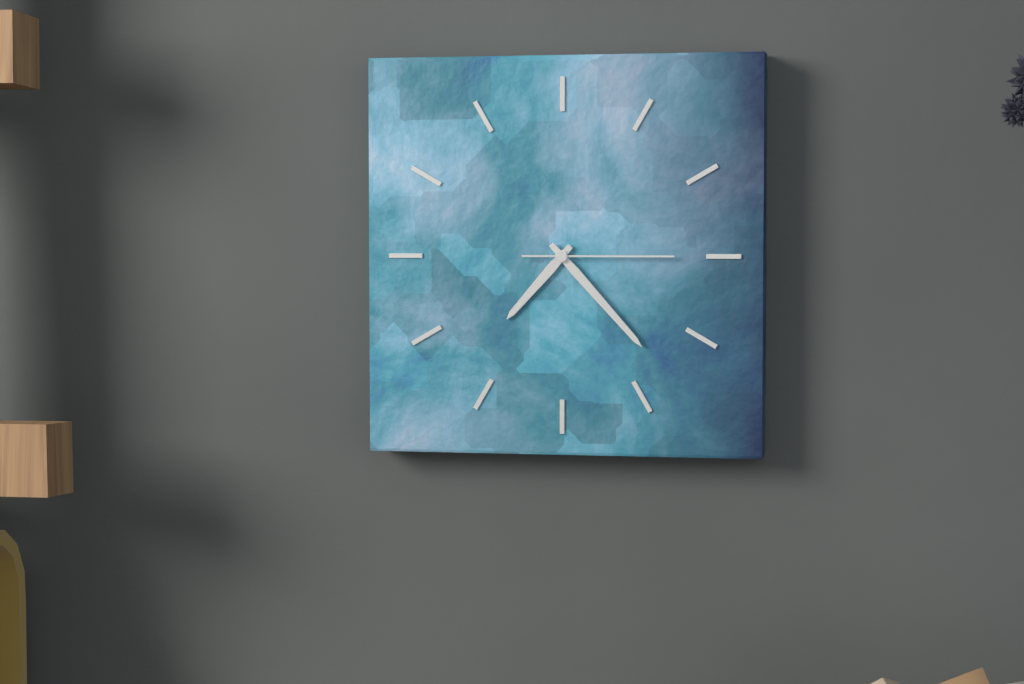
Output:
7,23,15
